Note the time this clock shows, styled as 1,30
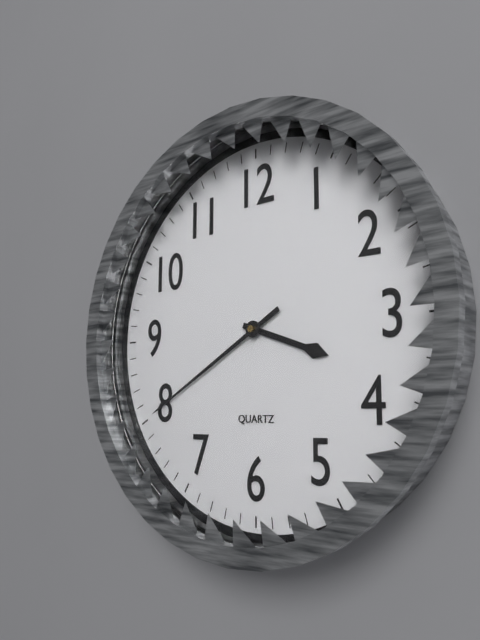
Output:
3,40
